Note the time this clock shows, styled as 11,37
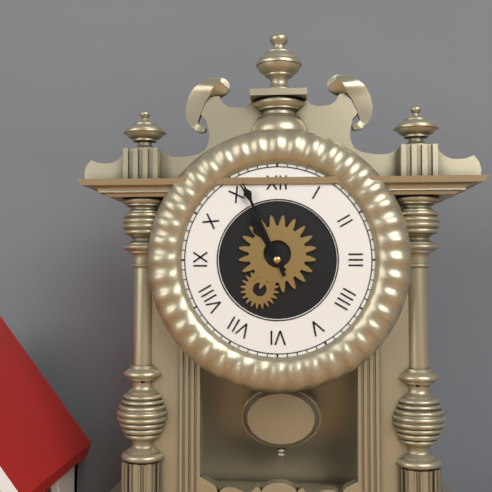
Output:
10,56
